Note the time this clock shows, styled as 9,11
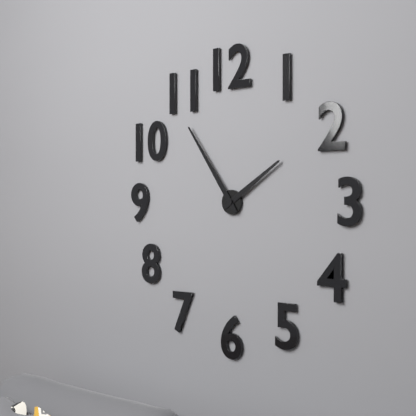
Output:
1,54
